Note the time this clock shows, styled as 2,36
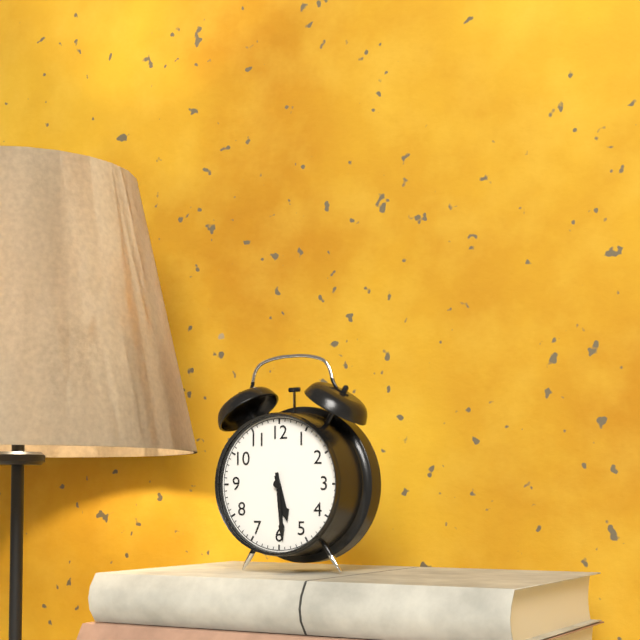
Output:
5,29
